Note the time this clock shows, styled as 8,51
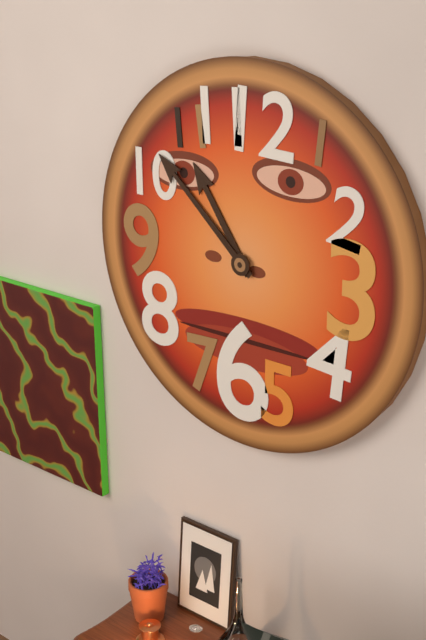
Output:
10,52
